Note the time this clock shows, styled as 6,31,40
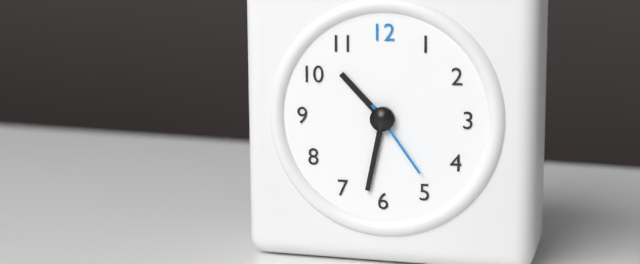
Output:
10,32,24
